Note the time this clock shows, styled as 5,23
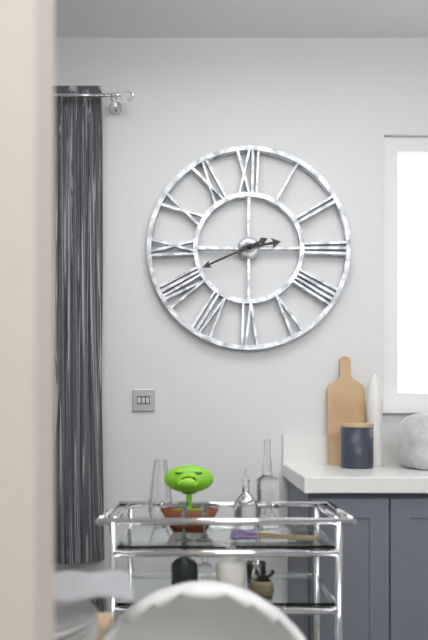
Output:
2,41
